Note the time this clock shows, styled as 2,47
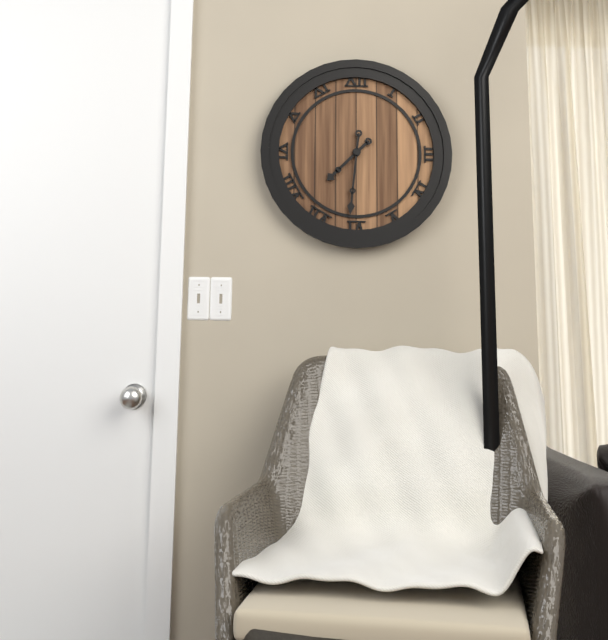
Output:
7,31
